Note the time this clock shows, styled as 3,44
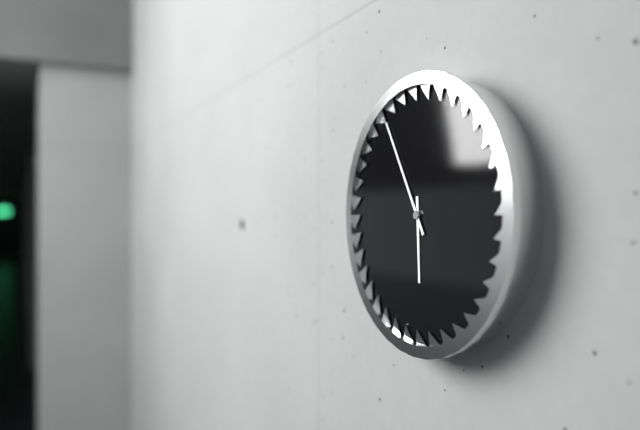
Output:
5,55
